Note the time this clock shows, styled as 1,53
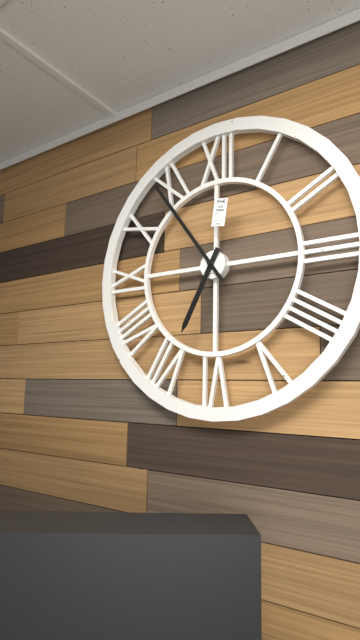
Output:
6,54
